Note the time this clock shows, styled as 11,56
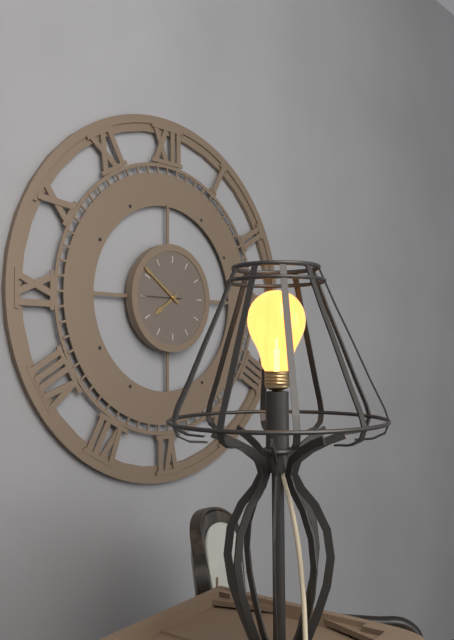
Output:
7,51
